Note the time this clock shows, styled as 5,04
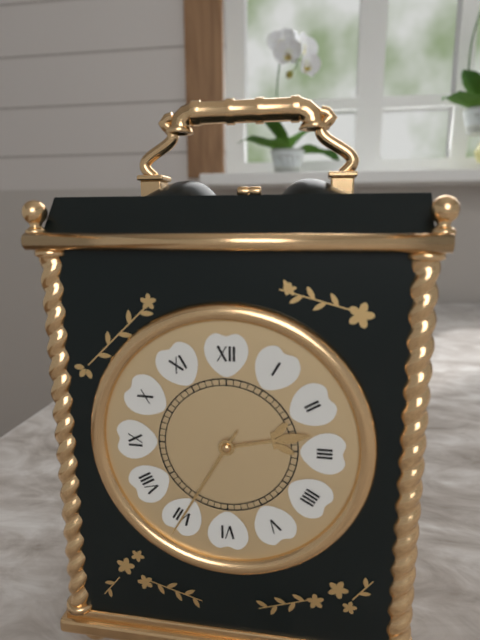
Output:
2,35
